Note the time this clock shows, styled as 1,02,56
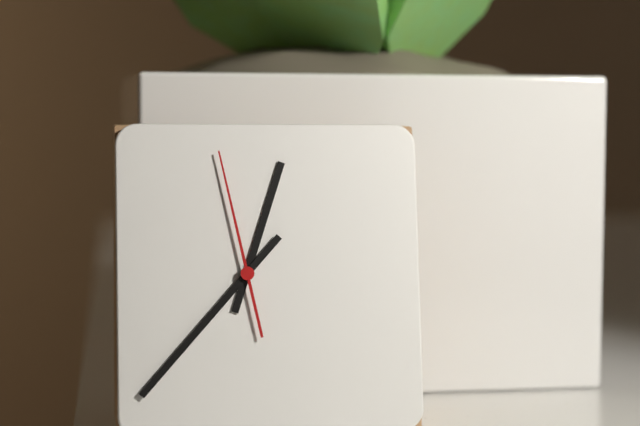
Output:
12,37,58
